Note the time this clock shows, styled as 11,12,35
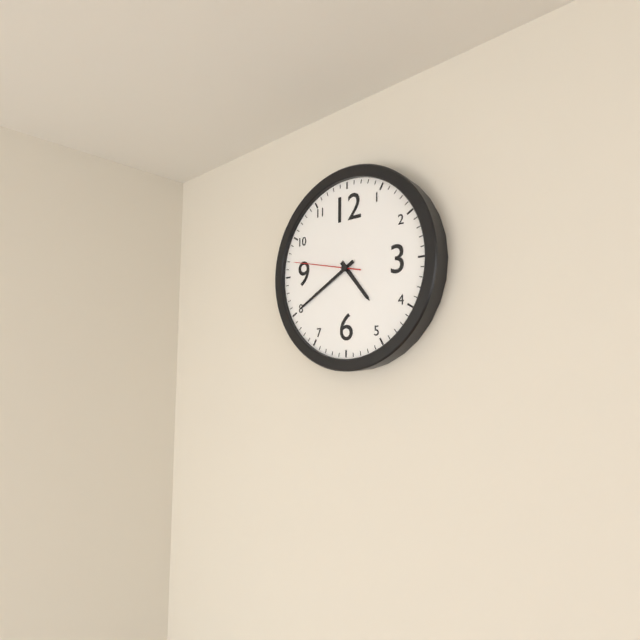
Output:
4,40,47
